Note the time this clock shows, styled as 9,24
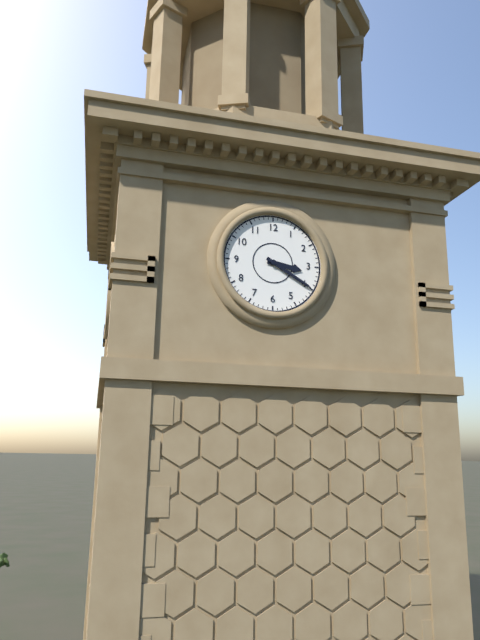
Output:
3,20
